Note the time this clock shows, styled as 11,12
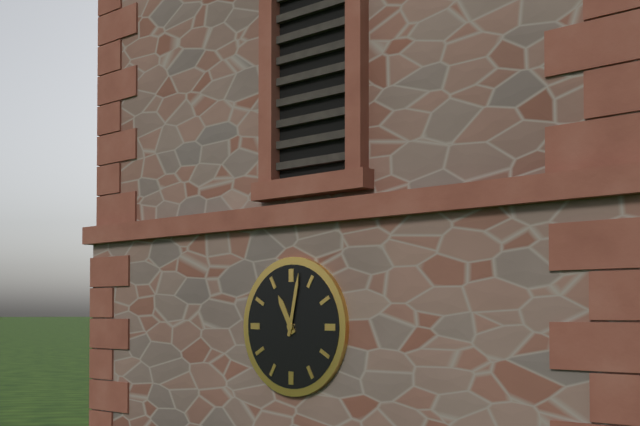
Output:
11,02
